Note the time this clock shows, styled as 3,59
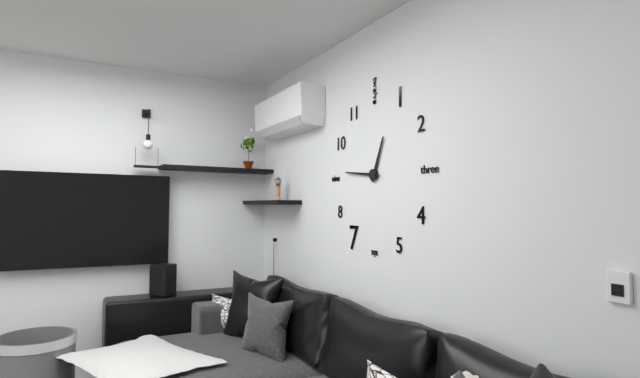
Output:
12,46
